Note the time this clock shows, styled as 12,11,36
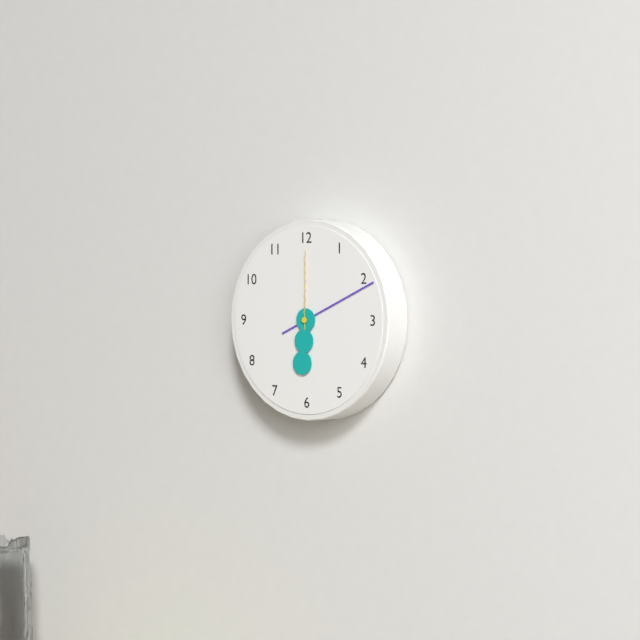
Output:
6,11,00
